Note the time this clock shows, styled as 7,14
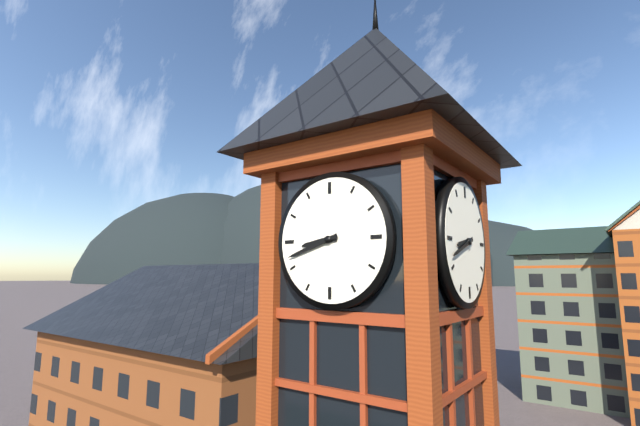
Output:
8,42
